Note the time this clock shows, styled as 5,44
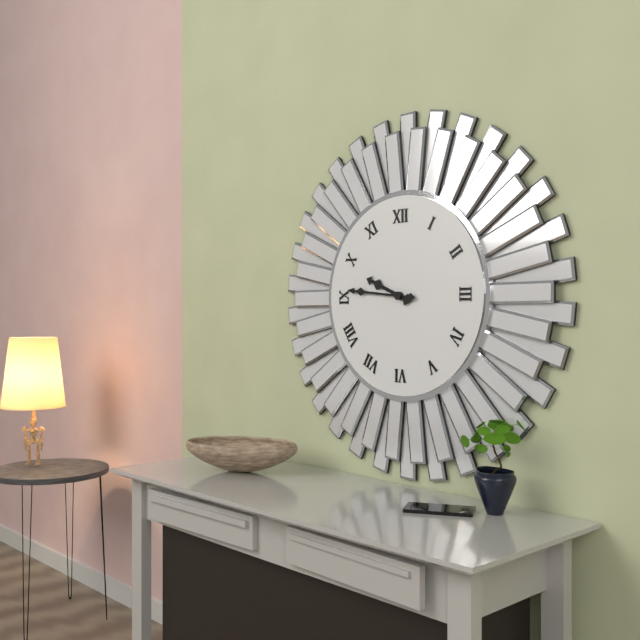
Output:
9,46
